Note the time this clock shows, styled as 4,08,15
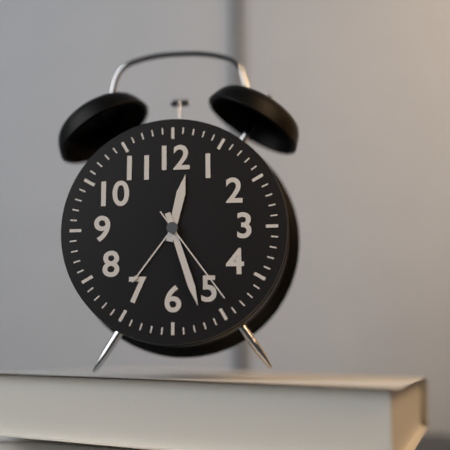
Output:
12,27,24
